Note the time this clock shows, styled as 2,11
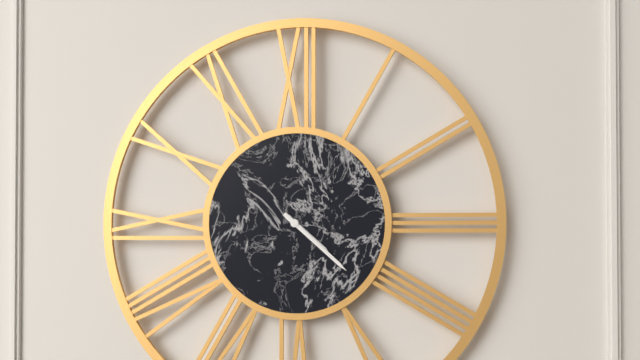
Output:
4,22
